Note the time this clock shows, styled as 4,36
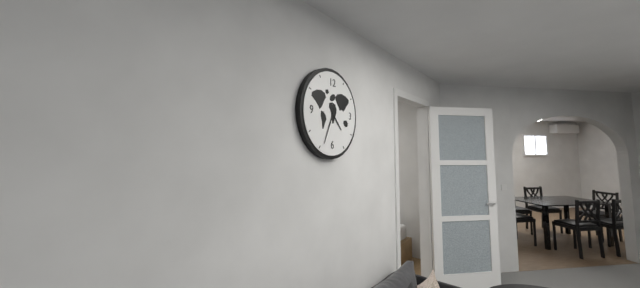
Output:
4,34
